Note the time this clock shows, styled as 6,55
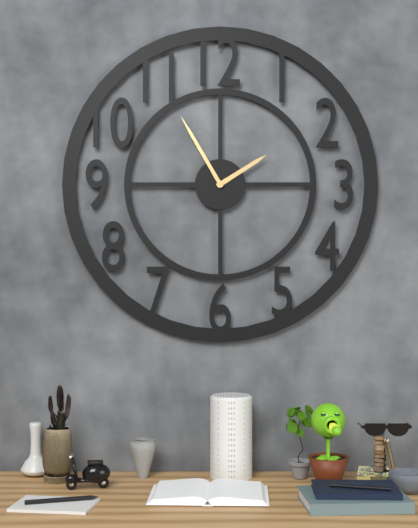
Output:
1,55
